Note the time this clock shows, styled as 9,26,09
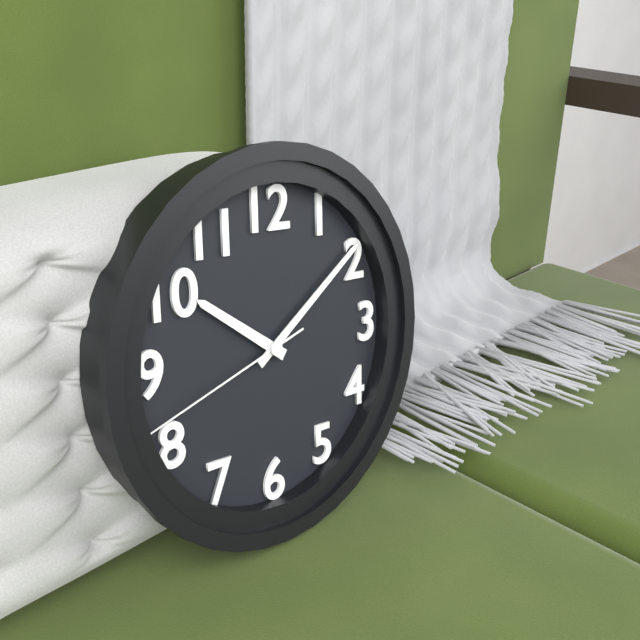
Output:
10,09,42
